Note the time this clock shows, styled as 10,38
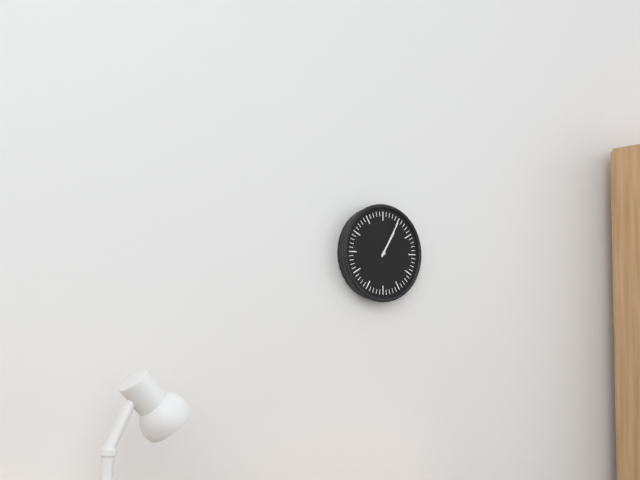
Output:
1,05
